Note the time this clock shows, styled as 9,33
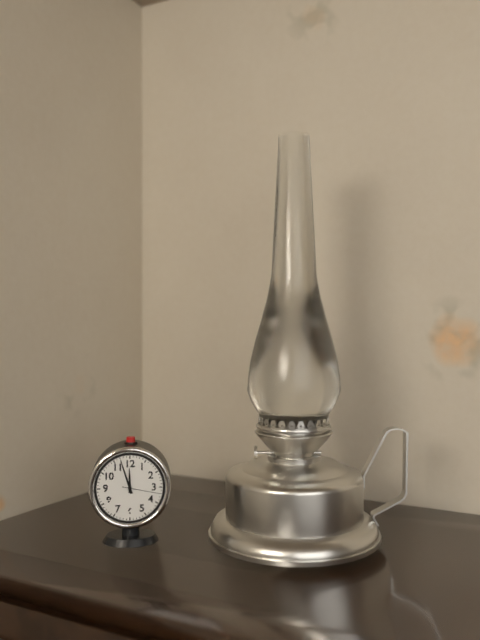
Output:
11,57
